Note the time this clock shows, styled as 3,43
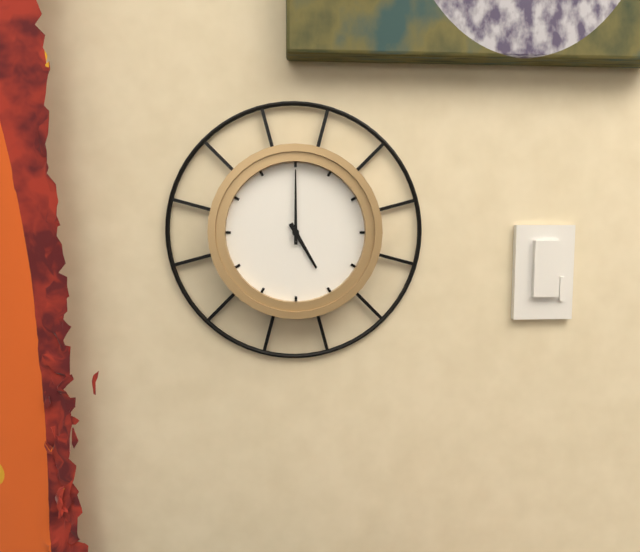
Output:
5,00
